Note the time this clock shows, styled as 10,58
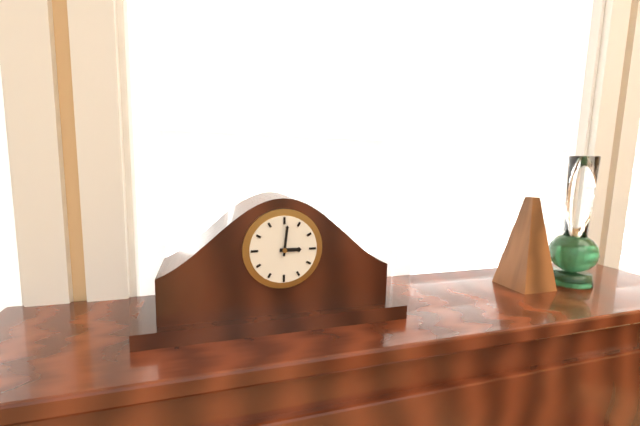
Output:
3,01
